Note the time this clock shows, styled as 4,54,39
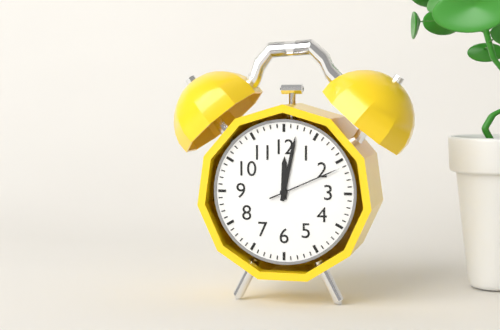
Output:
12,02,11
